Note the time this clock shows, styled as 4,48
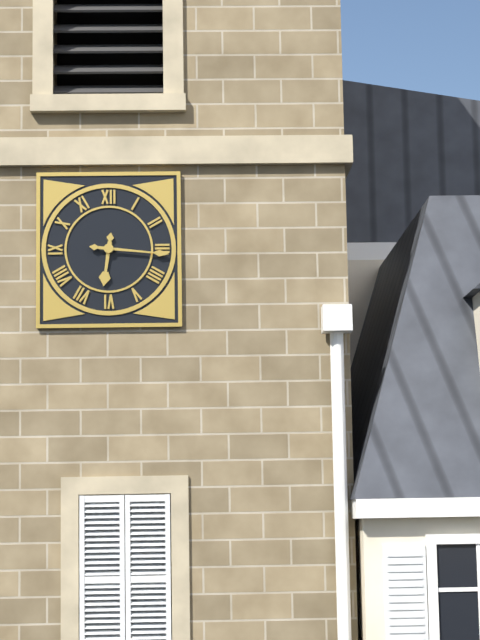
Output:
6,16
